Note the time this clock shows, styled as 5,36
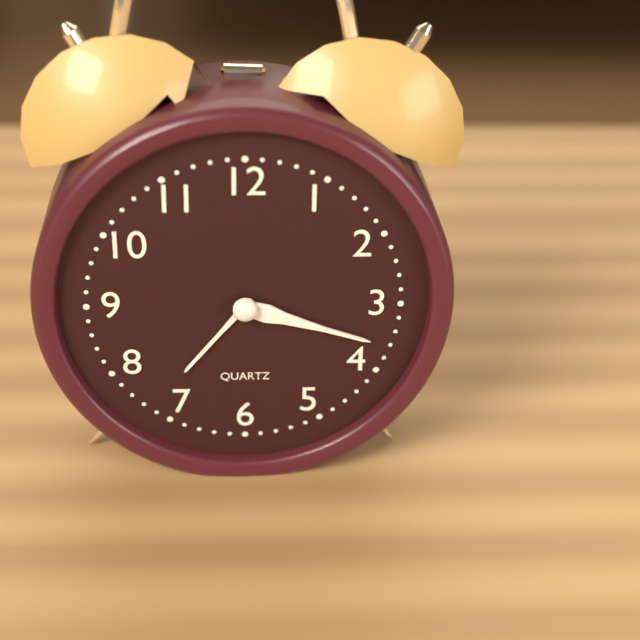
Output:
7,18
